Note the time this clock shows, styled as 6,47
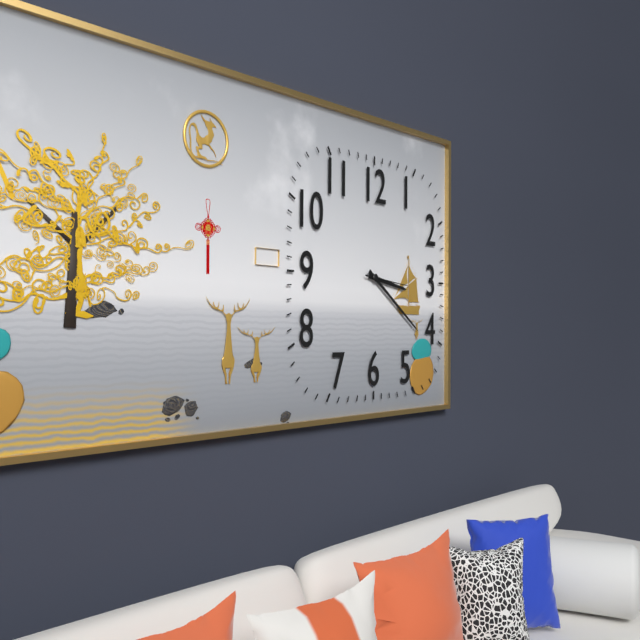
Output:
3,21
